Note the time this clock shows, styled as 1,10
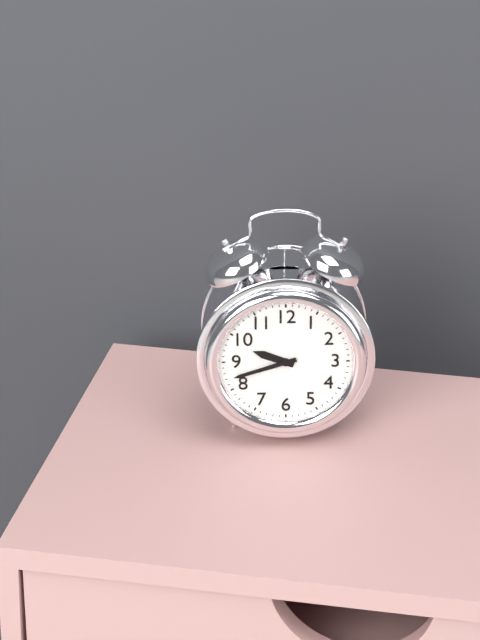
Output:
9,42
